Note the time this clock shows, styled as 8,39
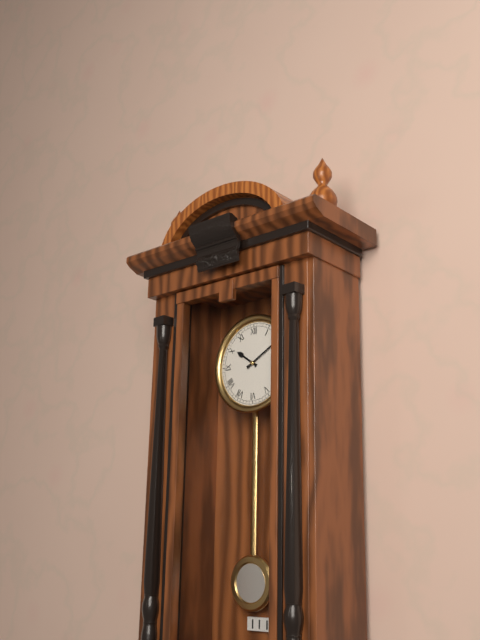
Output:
10,10
